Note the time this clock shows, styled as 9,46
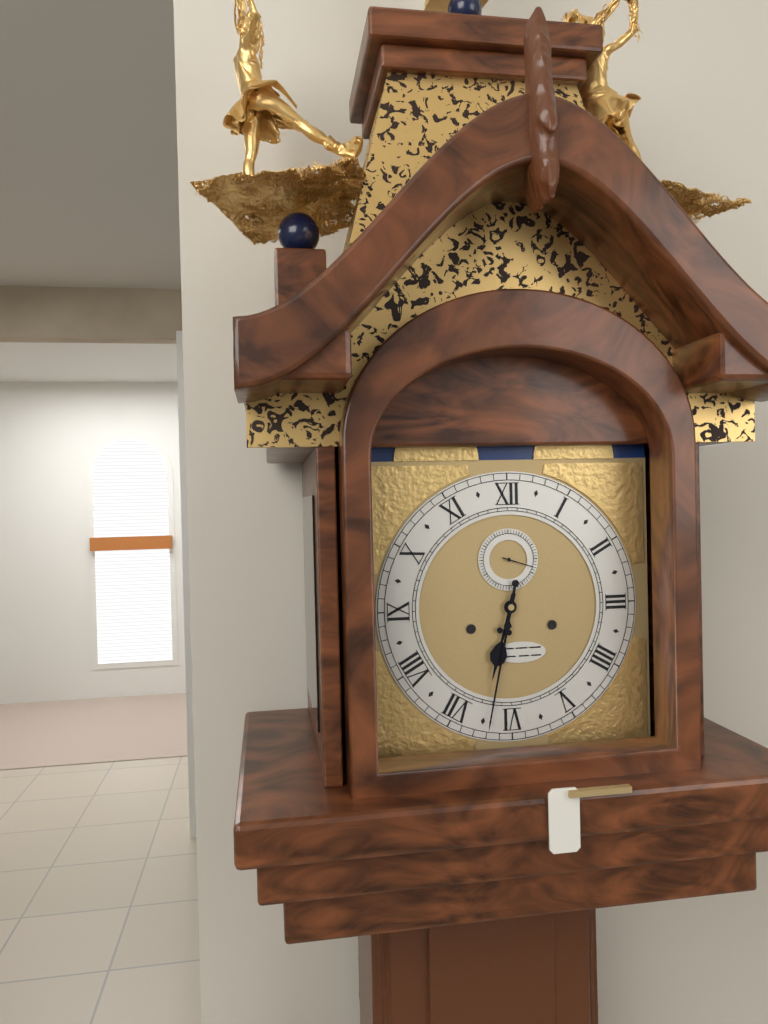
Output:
6,32
